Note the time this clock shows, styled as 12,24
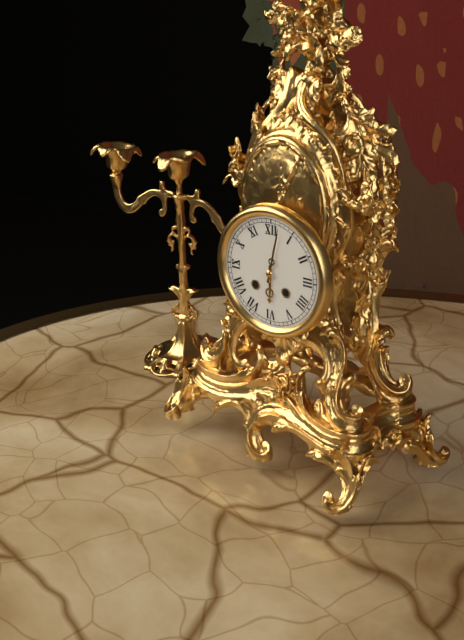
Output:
6,02
